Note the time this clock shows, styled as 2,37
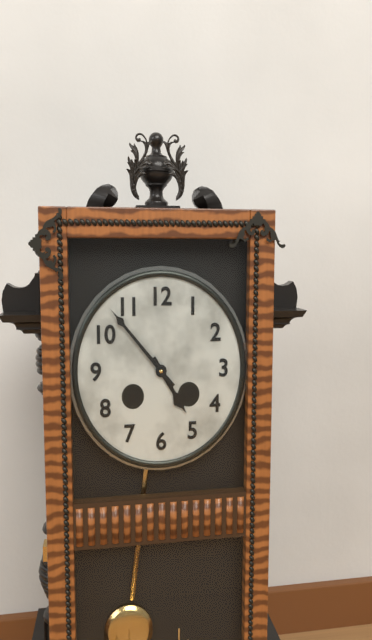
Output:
4,53
